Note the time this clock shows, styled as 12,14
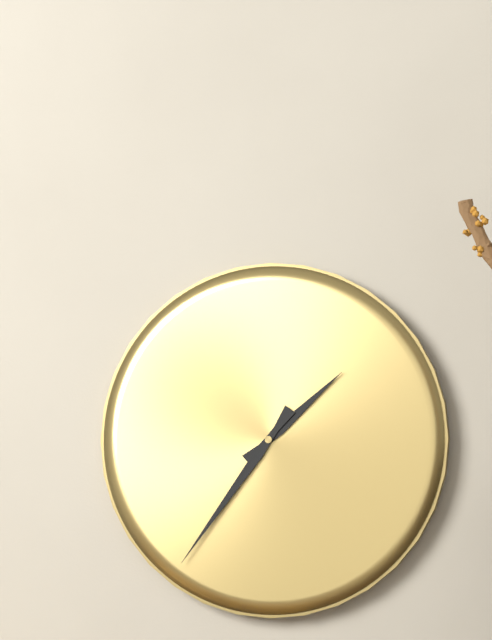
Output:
1,36
